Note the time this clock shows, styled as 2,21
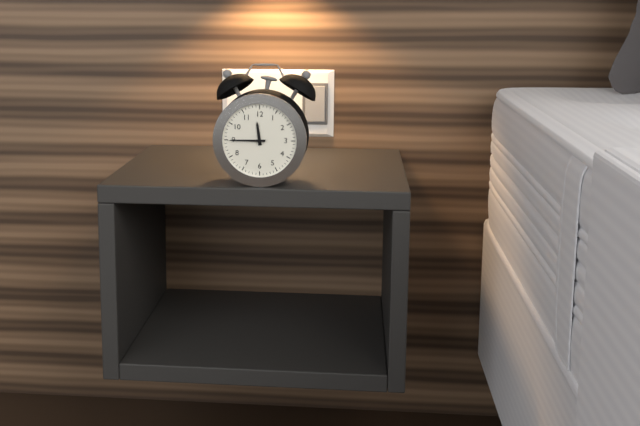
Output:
11,45
